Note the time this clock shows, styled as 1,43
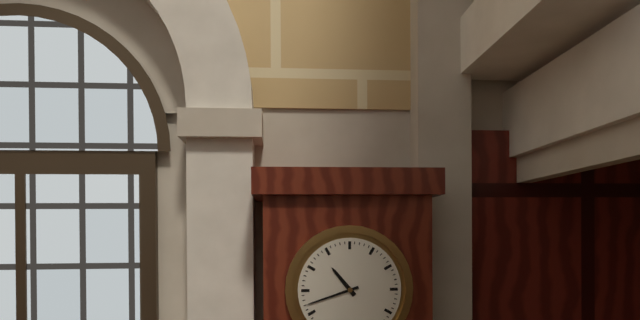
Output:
10,42
